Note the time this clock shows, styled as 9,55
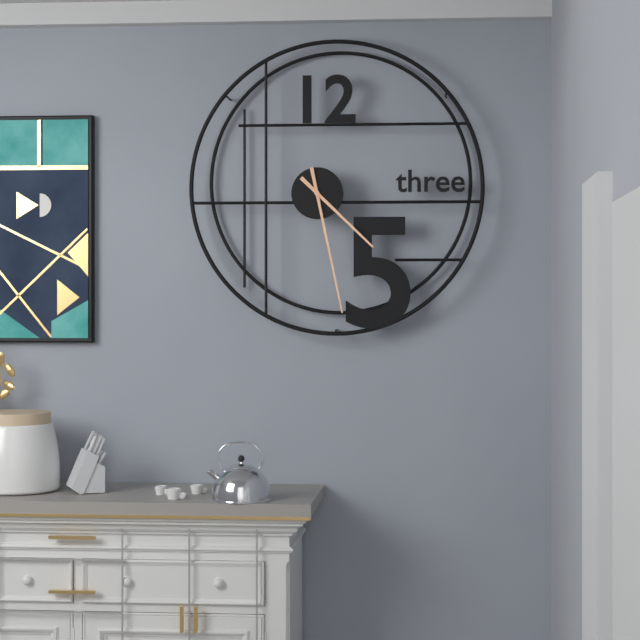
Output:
4,28
